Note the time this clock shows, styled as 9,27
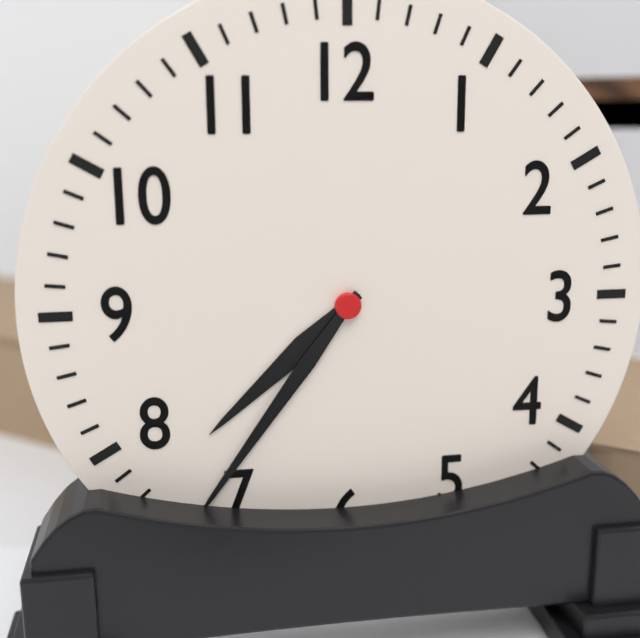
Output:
7,36
